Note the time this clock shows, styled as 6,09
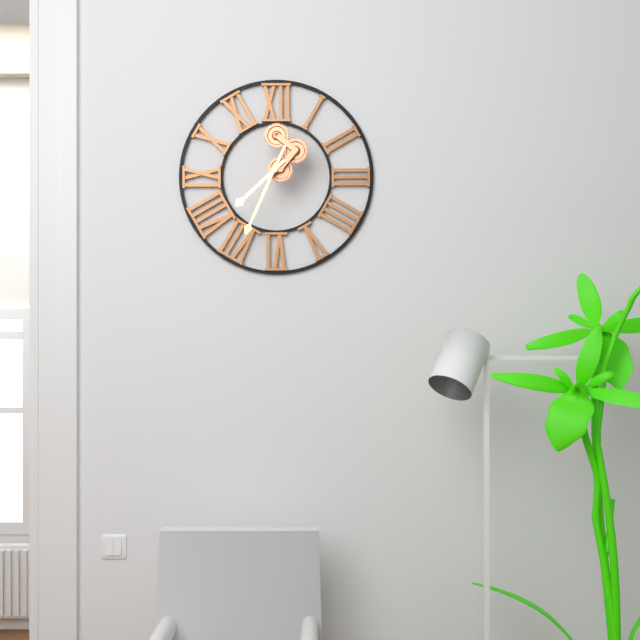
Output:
7,34
